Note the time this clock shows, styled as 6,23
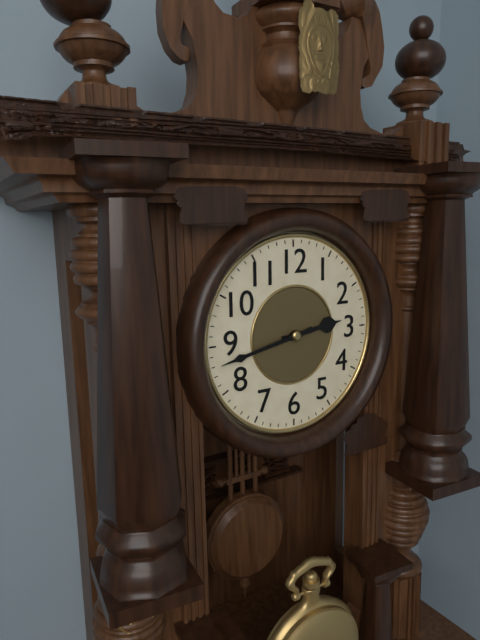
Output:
2,43
